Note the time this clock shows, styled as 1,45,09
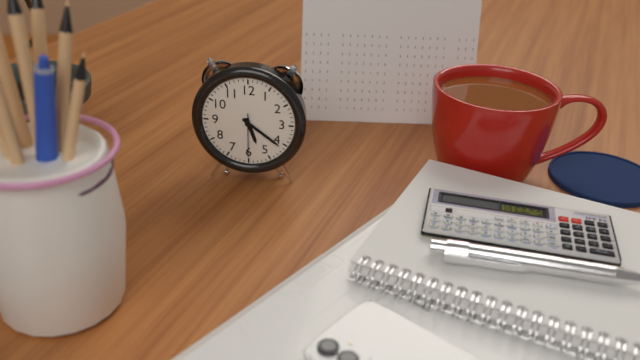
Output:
5,21,30
